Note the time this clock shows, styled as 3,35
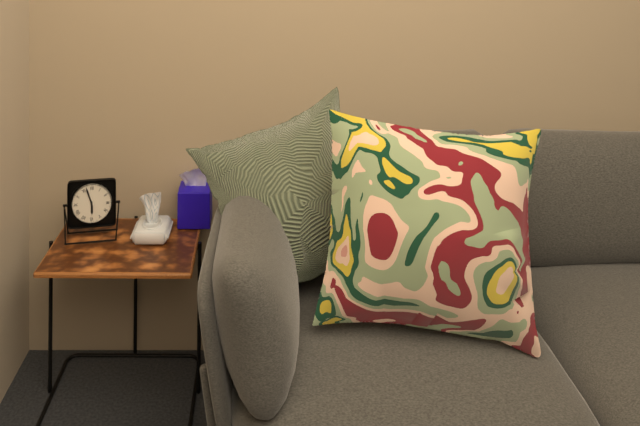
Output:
5,57
